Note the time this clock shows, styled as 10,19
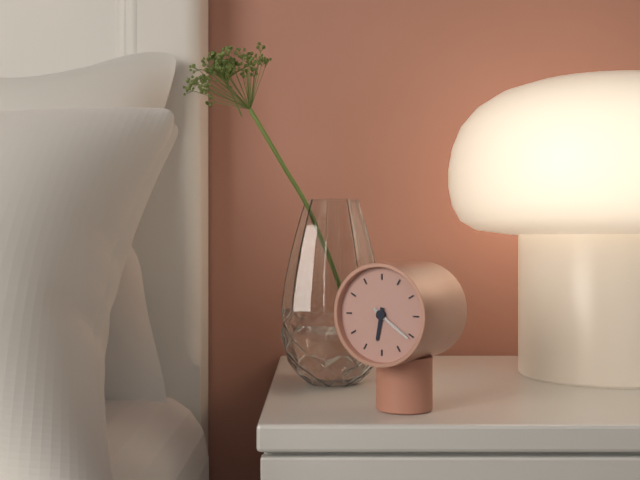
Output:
6,21
